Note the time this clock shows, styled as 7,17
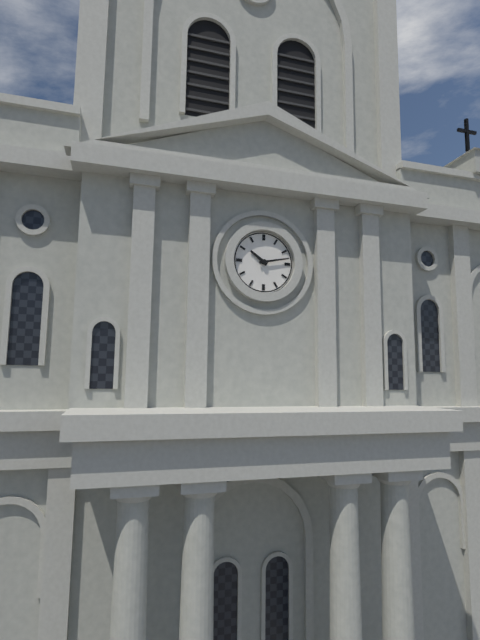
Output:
10,13
